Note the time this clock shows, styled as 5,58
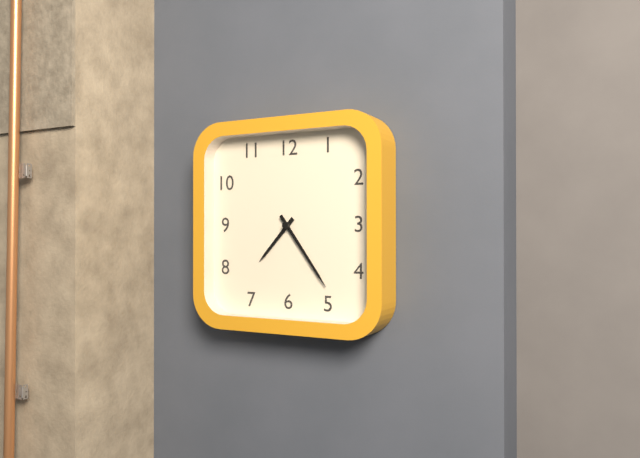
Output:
7,24
